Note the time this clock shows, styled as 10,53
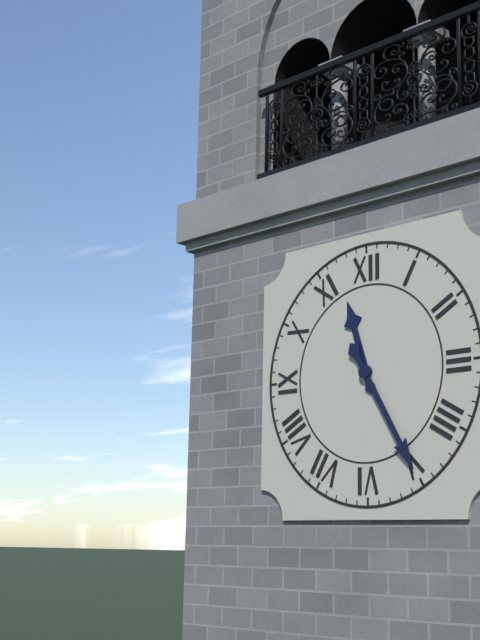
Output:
11,25
